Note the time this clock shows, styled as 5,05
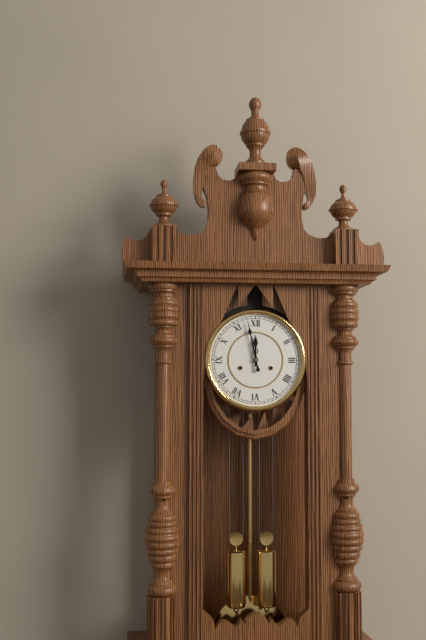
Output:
11,58
